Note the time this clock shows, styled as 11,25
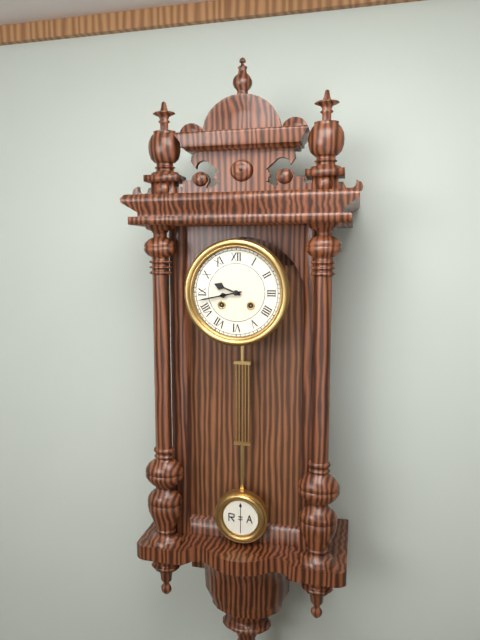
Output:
9,43
